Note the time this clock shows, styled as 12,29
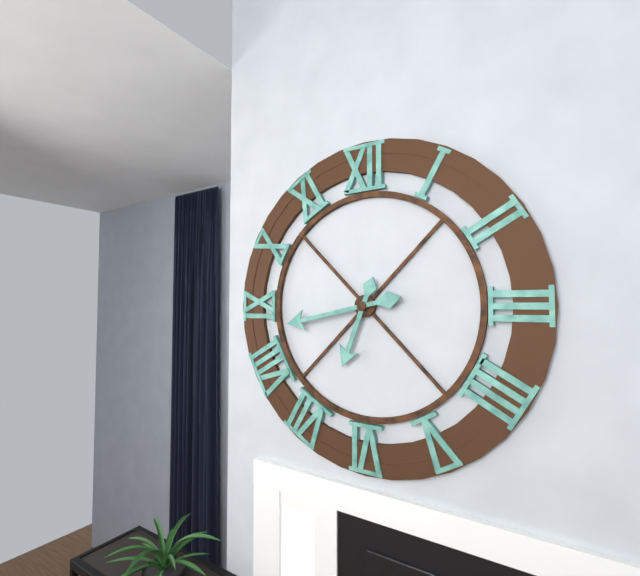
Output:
6,43
